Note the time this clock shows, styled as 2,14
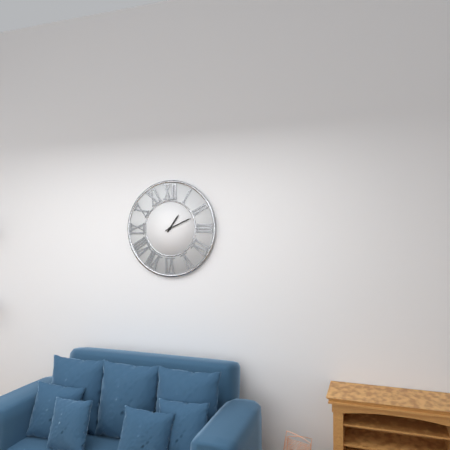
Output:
1,11
